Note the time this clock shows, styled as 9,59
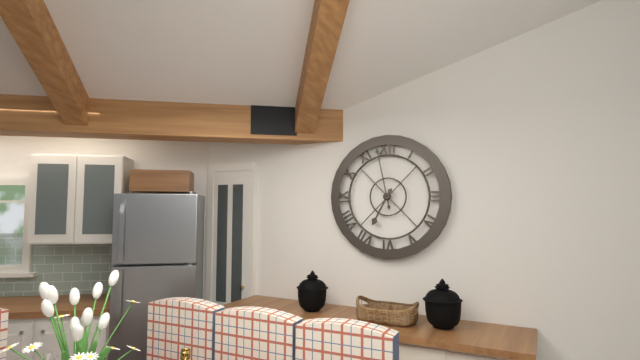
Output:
6,58
